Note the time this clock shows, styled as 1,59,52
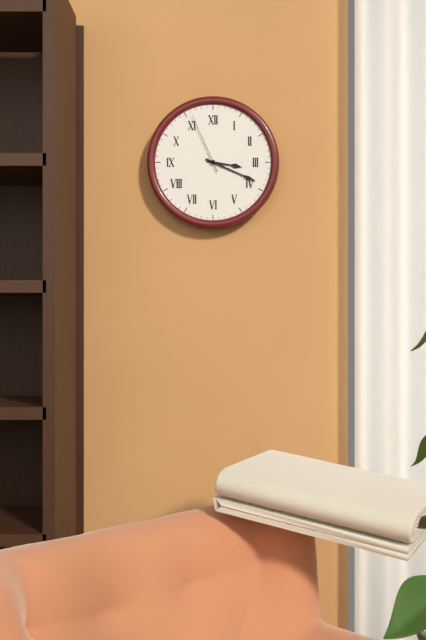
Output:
3,19,56
